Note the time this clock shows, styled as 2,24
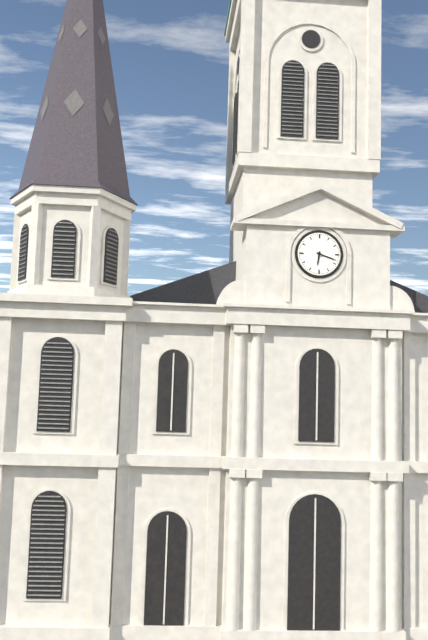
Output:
6,18
